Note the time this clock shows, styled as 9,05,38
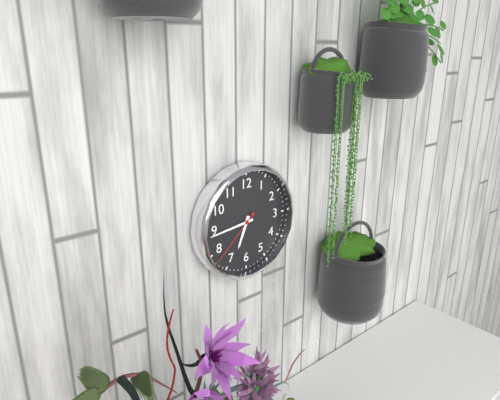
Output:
6,44,38
